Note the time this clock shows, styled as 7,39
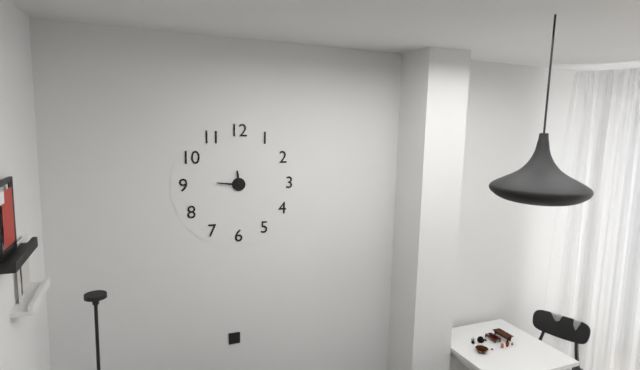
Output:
11,46
